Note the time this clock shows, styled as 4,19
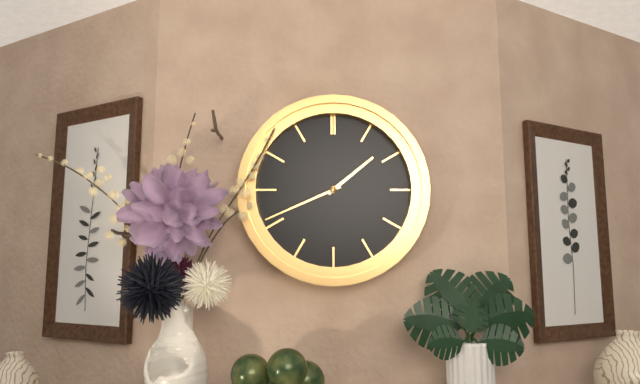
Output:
1,41
